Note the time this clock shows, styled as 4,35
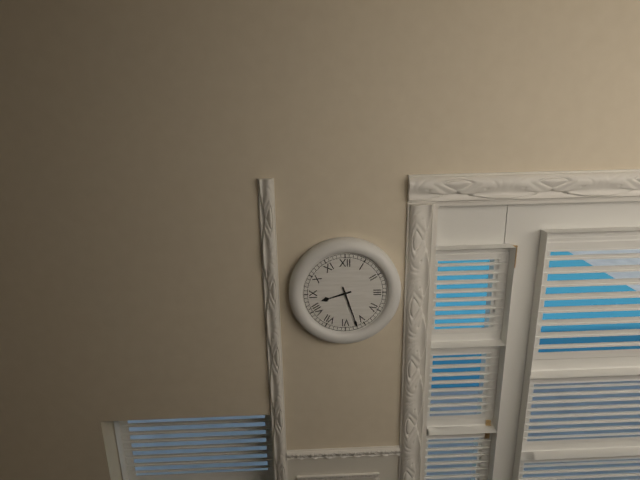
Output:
8,27
